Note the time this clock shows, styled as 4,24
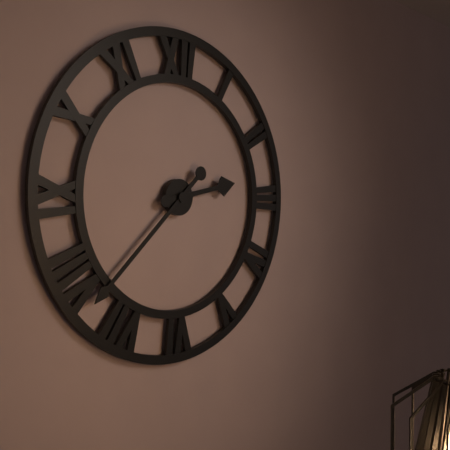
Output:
2,38
